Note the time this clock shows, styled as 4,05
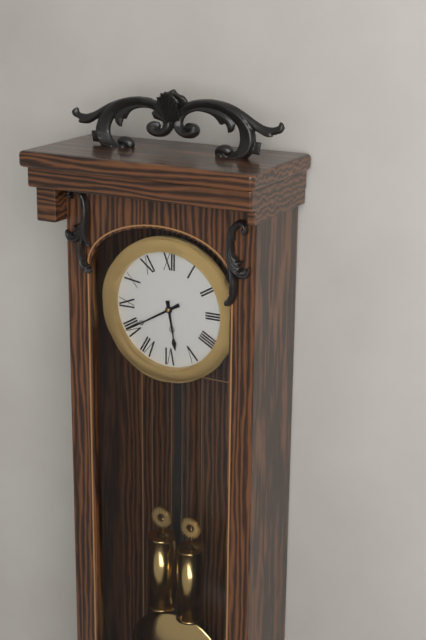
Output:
5,40
